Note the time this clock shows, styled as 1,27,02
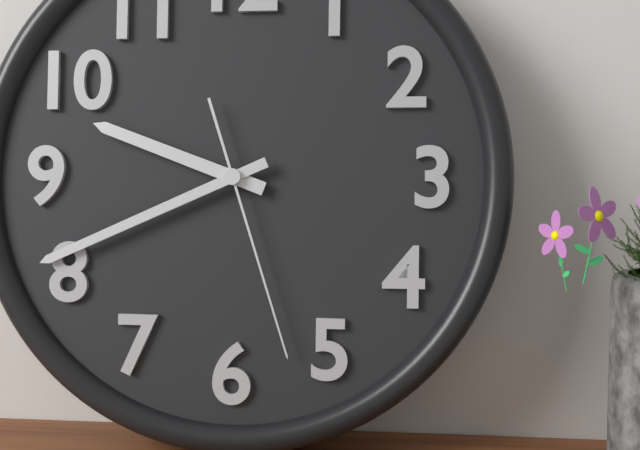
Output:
9,41,27
